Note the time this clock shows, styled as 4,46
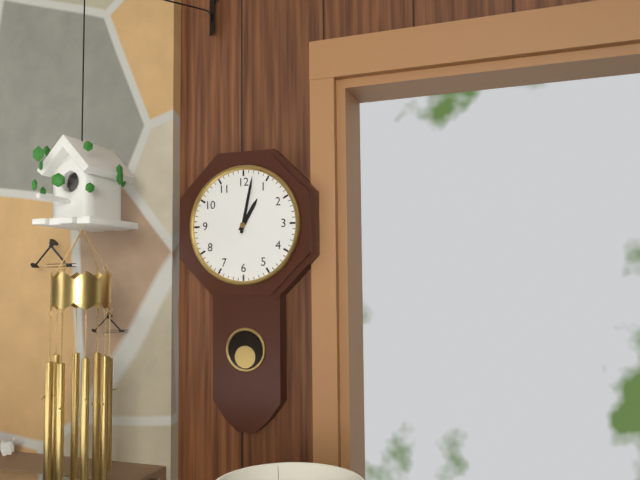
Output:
1,02
